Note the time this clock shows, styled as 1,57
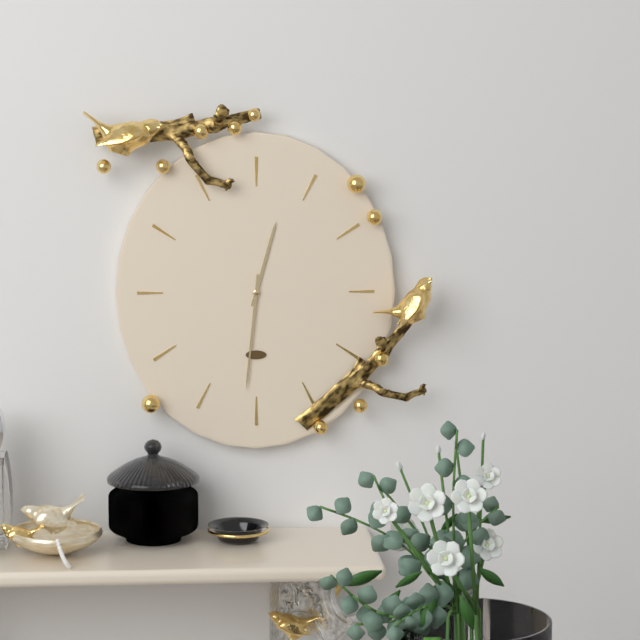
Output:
12,31
